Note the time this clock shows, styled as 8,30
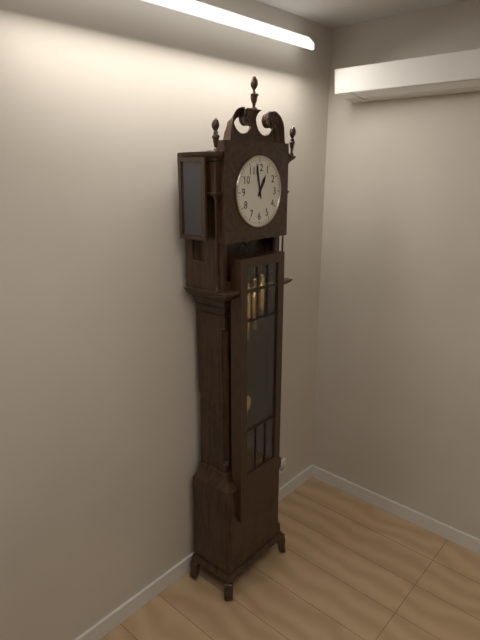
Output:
12,58
